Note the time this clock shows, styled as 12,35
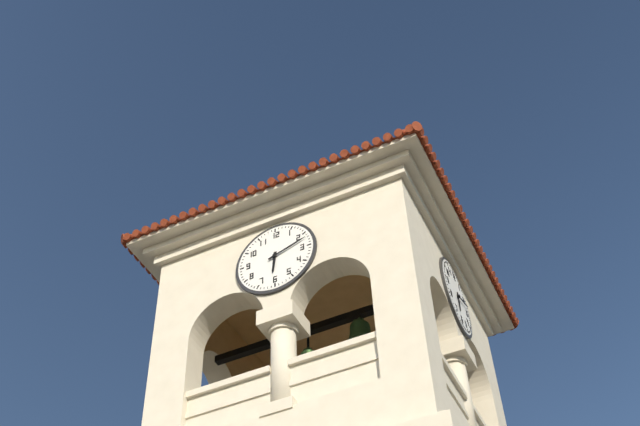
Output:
6,12
